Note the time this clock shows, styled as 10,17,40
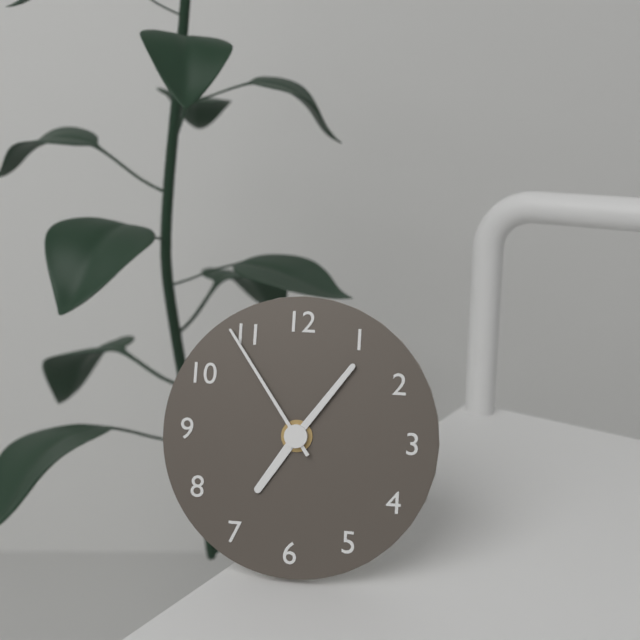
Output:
7,06,54
